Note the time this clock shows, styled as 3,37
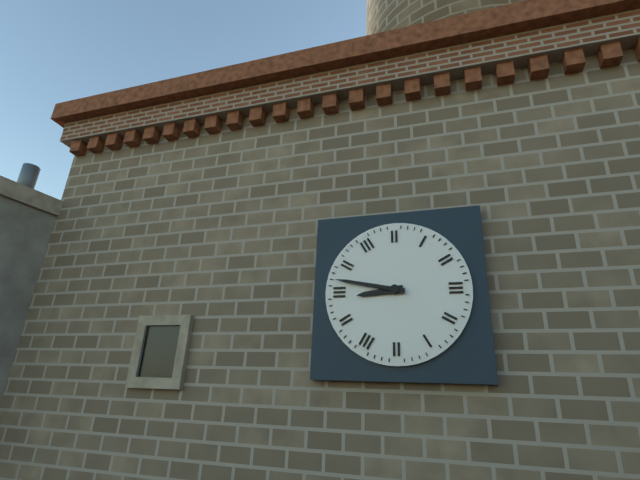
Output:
8,47
